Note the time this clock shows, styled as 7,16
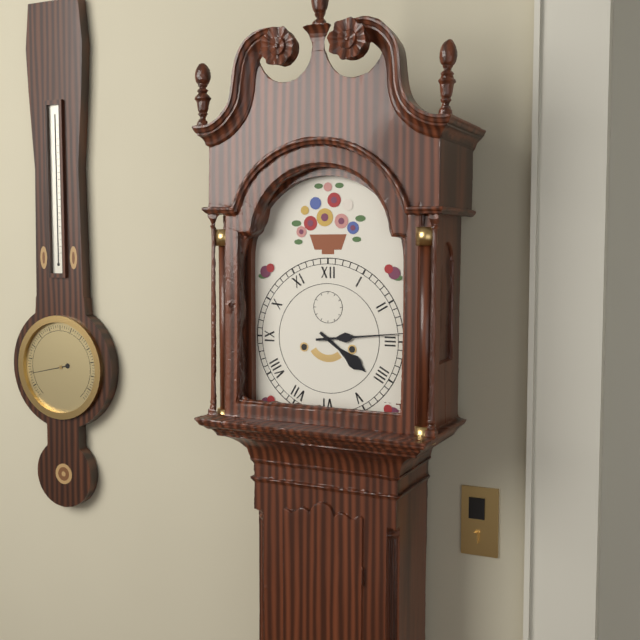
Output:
4,14
